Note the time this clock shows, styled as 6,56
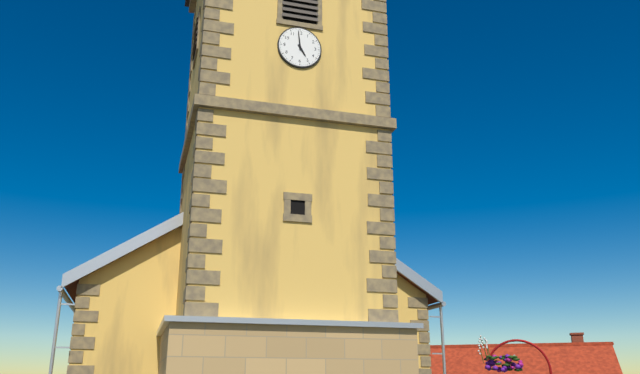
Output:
4,59
